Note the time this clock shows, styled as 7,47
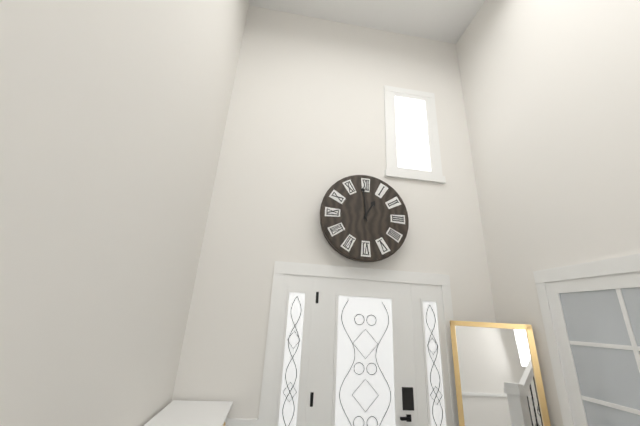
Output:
12,59
